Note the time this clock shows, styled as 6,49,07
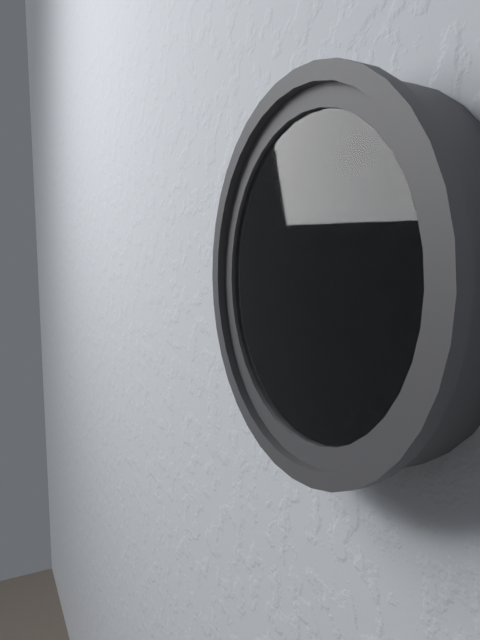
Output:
6,41,13
